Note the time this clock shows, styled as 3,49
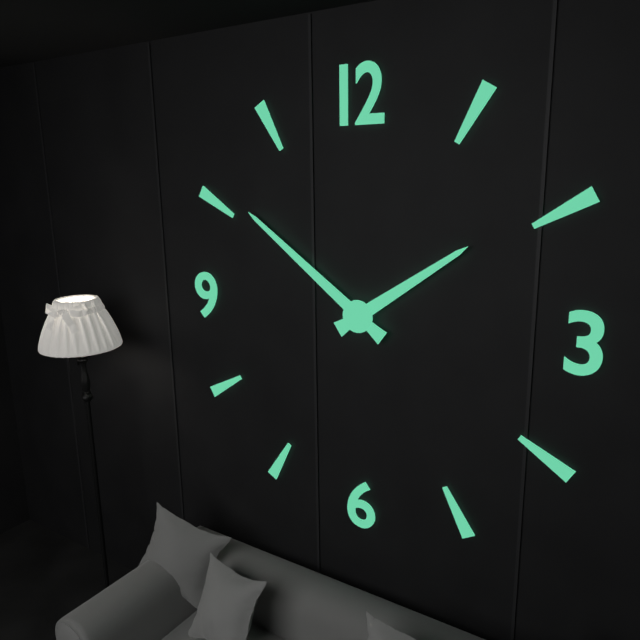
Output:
1,51
